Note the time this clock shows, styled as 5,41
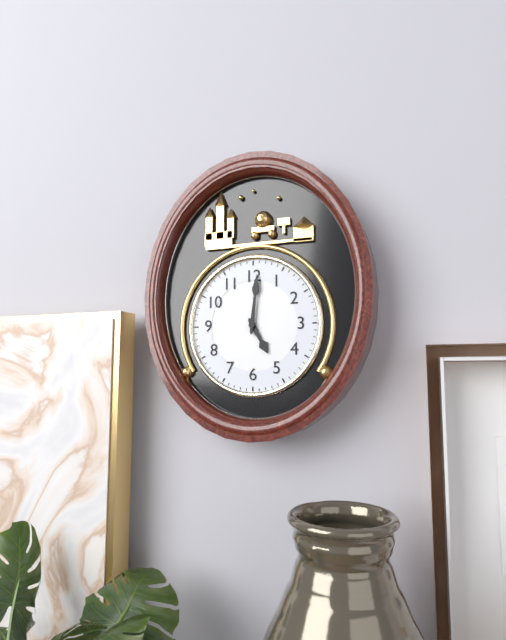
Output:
5,01
